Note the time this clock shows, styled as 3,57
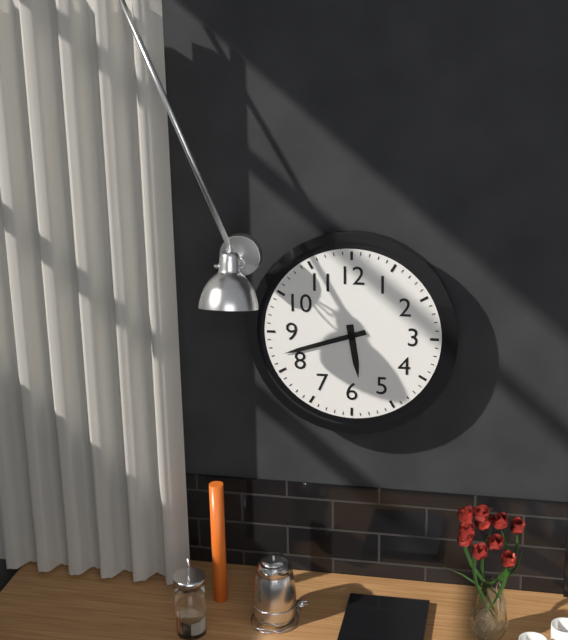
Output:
5,42
